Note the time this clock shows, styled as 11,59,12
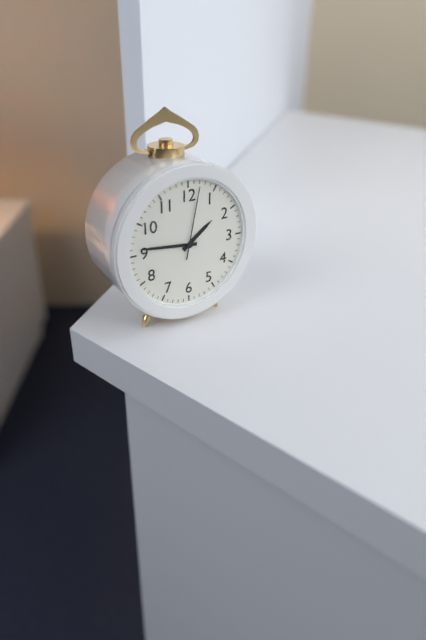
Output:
1,46,02
